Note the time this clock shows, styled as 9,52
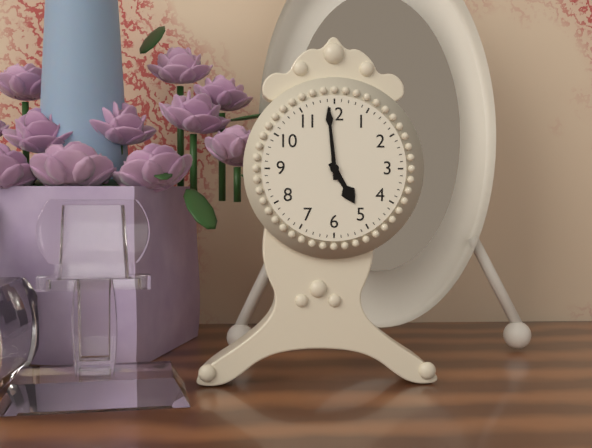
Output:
4,59
